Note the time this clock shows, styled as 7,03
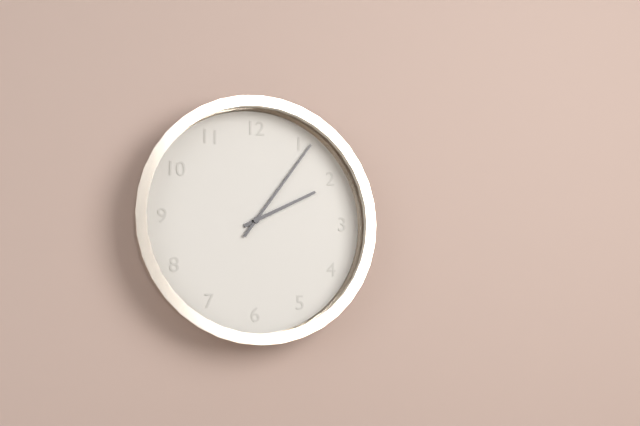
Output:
2,06
